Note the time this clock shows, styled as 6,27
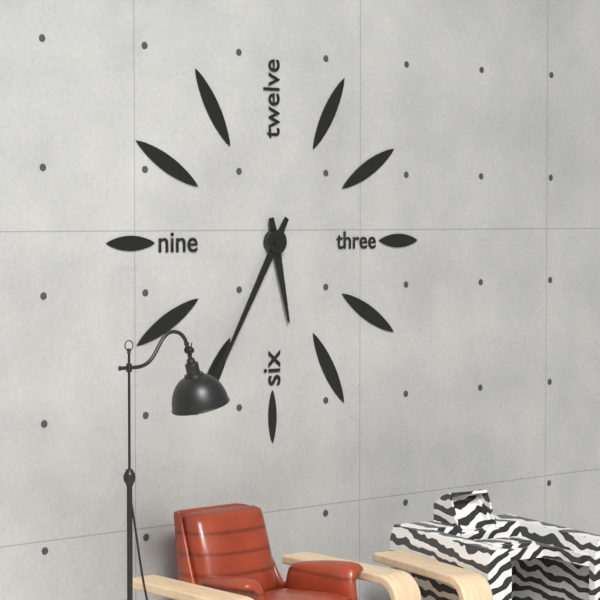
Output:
5,35
